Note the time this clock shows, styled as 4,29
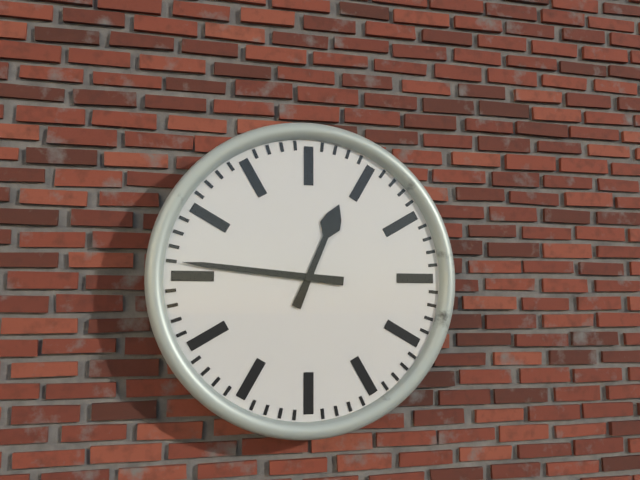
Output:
12,46
